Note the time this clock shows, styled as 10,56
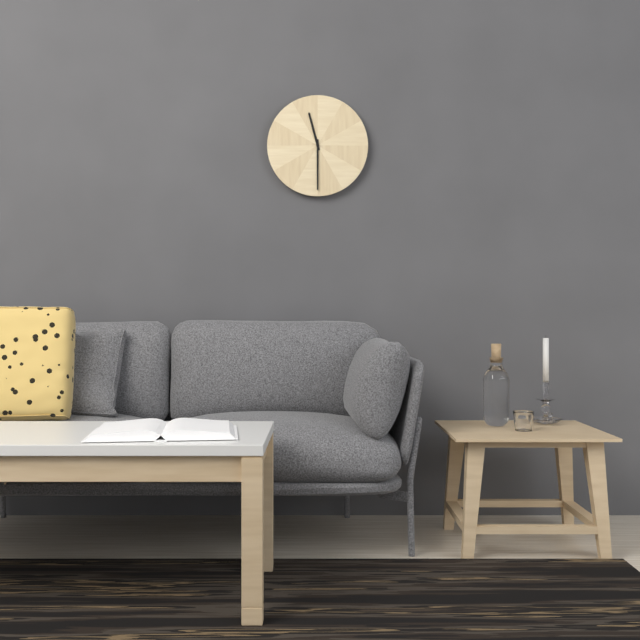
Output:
11,30
